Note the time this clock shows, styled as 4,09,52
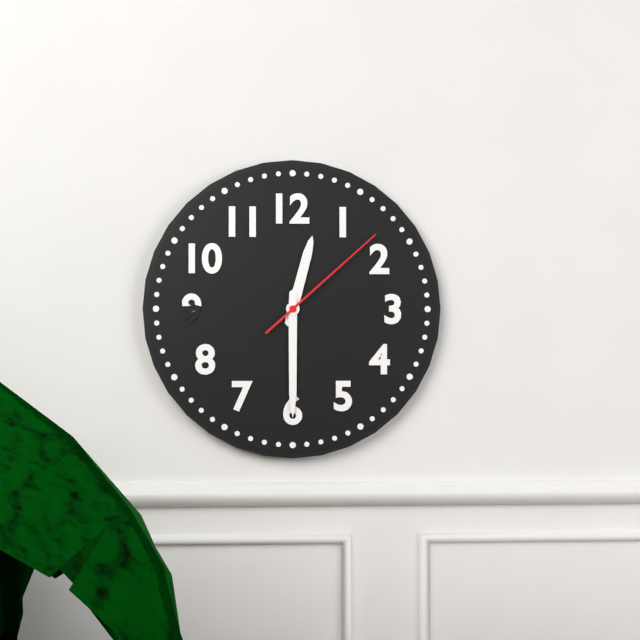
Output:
12,30,08
